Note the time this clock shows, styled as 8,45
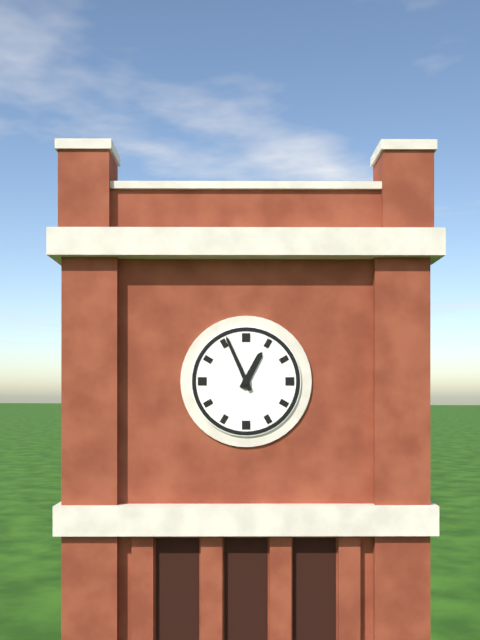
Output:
12,56
